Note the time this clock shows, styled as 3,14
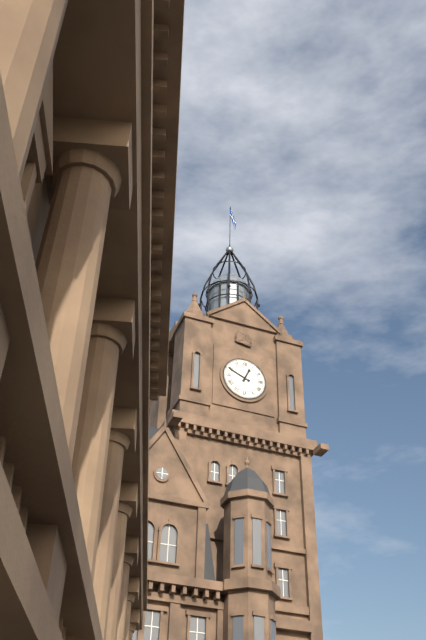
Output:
12,49
